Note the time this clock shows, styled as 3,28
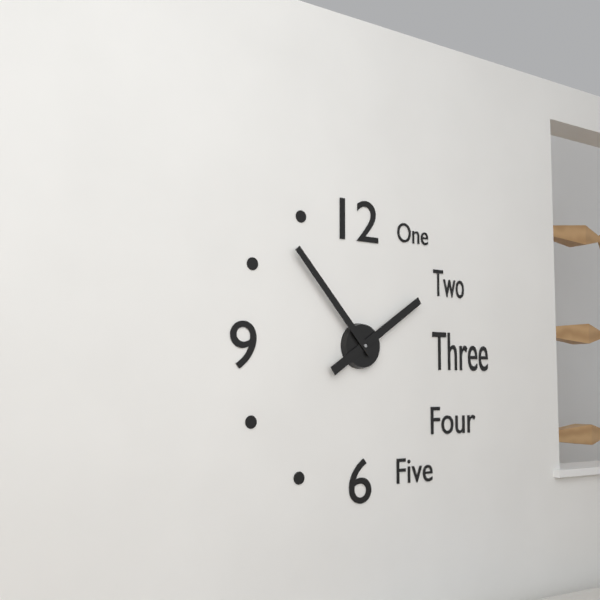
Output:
1,53
